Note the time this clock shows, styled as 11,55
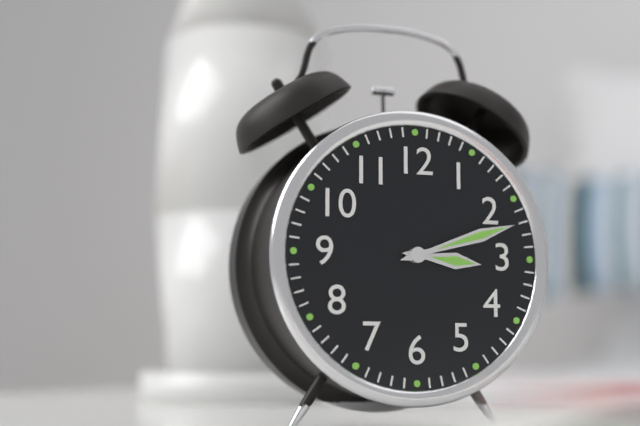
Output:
3,12
